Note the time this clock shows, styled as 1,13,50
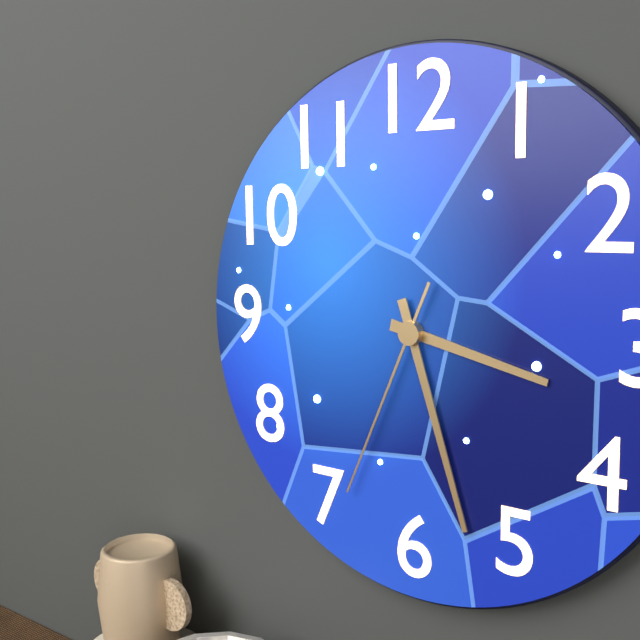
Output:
3,27,34
